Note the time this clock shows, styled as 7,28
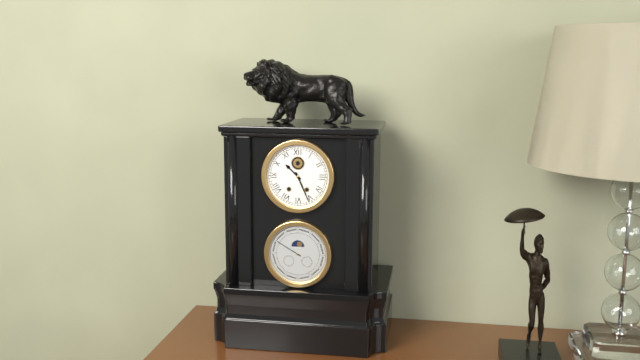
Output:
10,26
